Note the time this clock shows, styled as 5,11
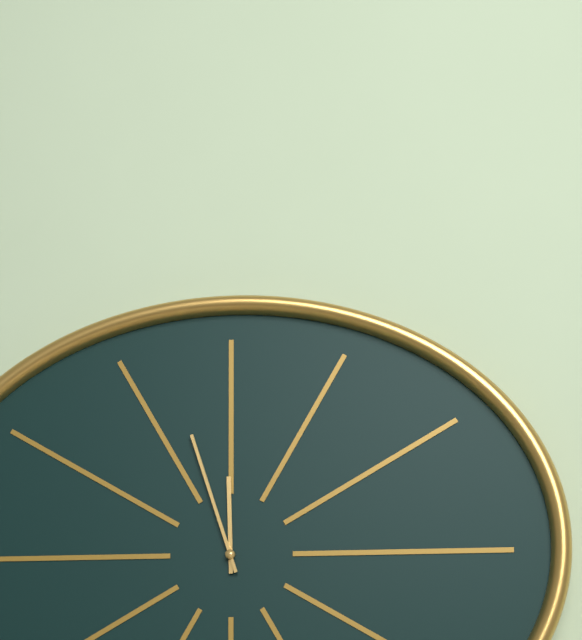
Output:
11,57
